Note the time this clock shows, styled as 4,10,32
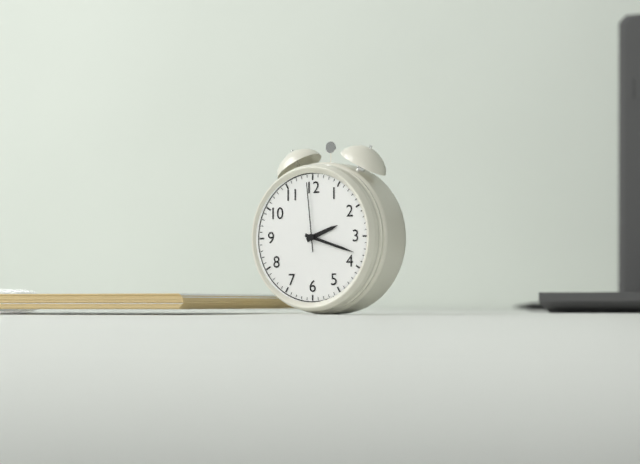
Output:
2,18,59
